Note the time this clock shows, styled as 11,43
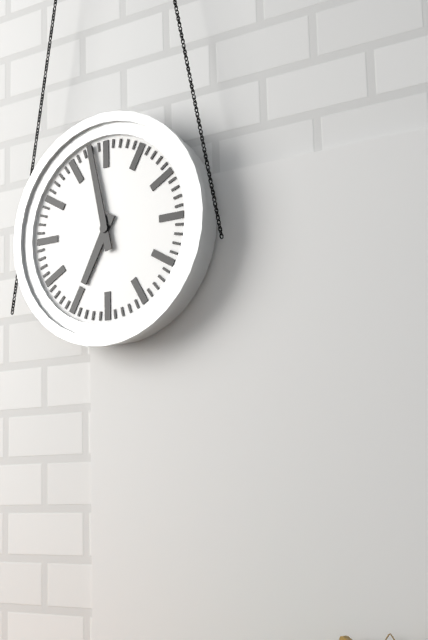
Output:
6,58
